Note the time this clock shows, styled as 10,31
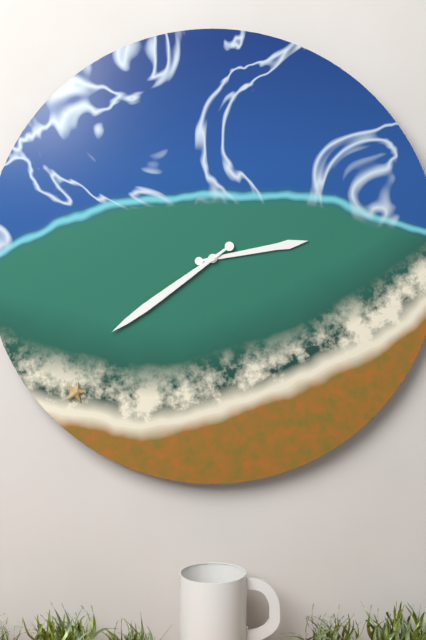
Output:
2,39
